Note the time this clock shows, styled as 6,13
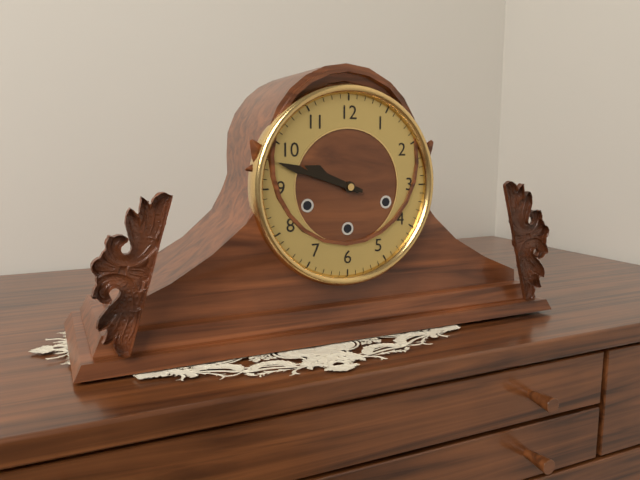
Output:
9,48
